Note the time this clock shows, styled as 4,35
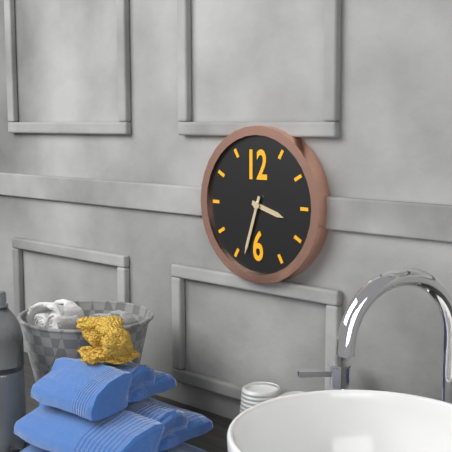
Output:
3,33
